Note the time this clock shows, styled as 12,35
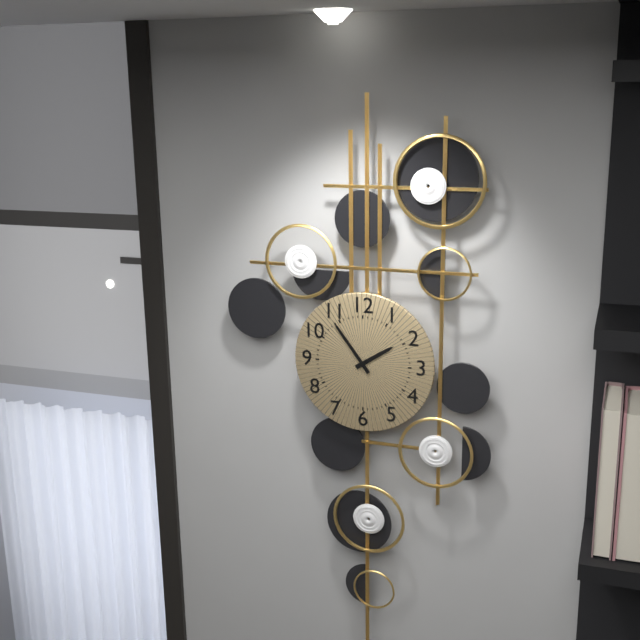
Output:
1,54
